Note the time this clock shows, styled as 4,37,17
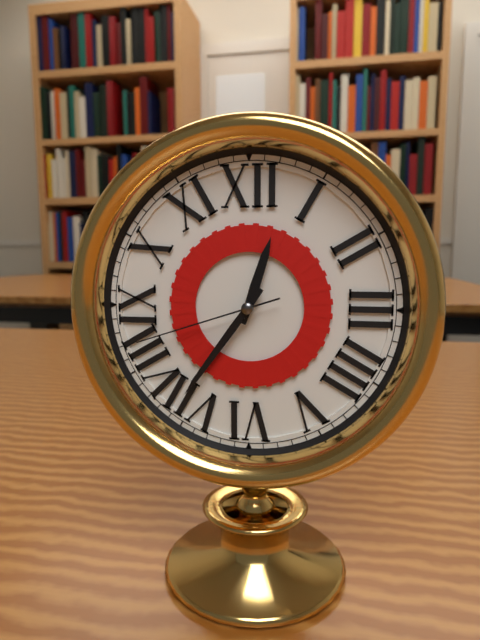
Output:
12,36,42
